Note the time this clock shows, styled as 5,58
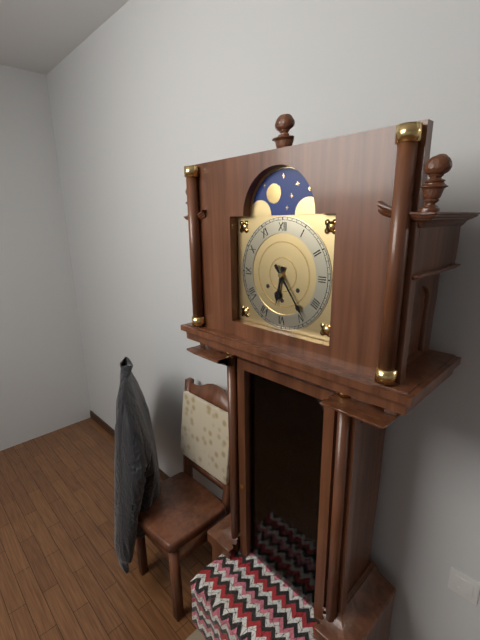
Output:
6,24
